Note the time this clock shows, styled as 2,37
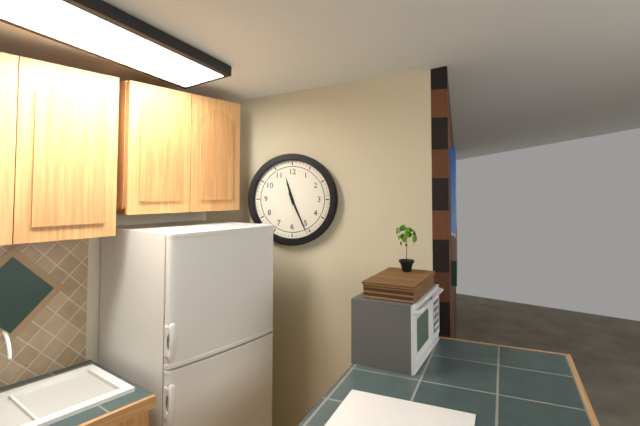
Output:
11,26
